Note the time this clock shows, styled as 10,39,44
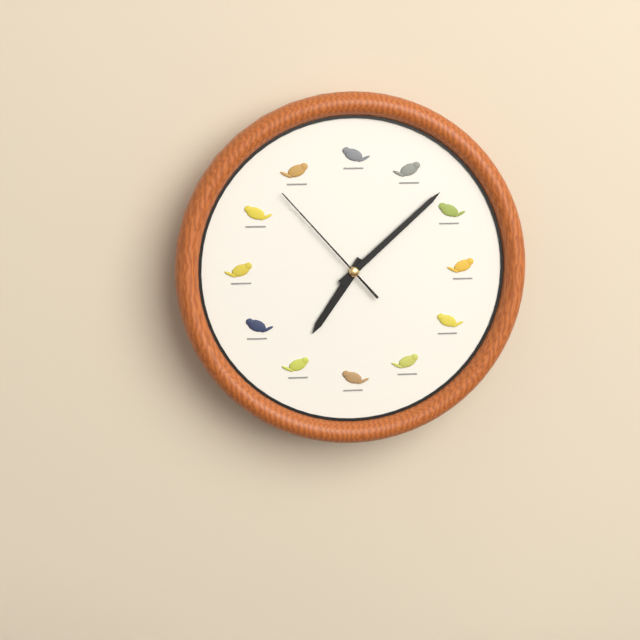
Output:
7,08,53
